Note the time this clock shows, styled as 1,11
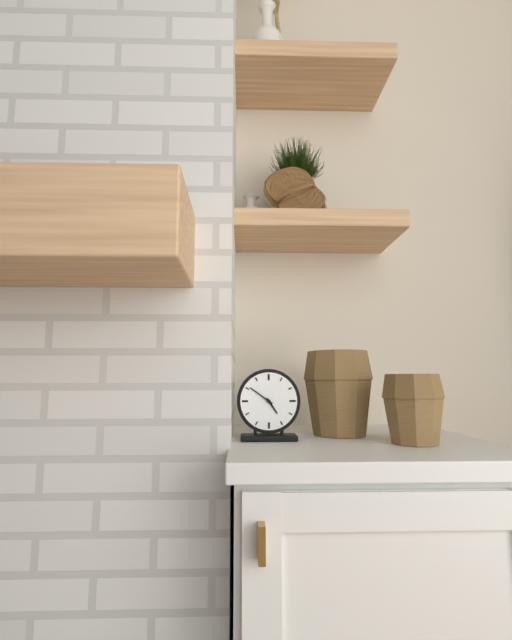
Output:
4,51
